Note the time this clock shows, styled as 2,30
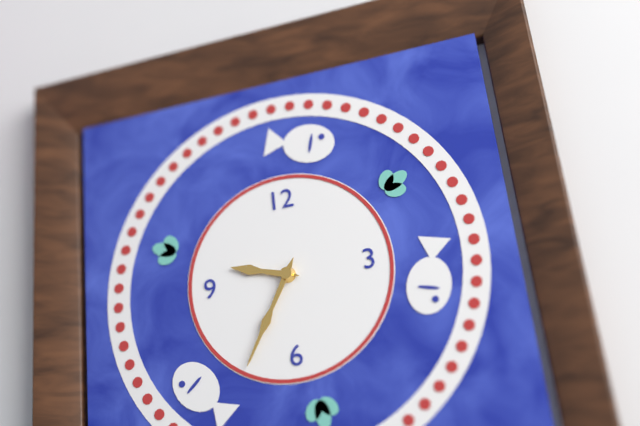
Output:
9,35
